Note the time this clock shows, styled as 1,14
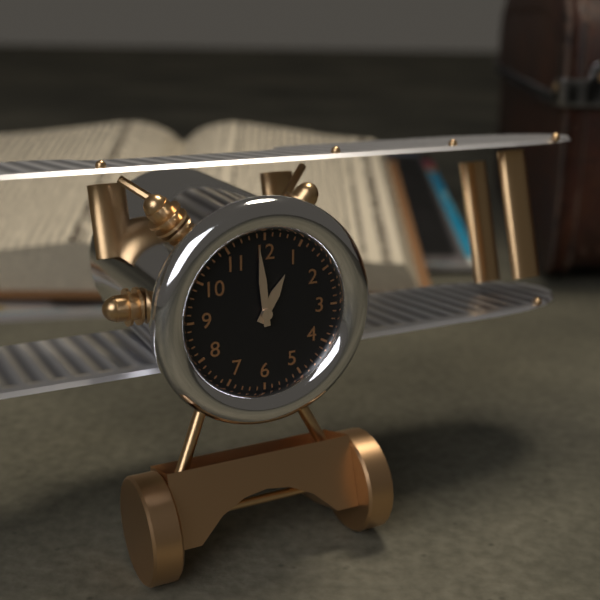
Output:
12,59
